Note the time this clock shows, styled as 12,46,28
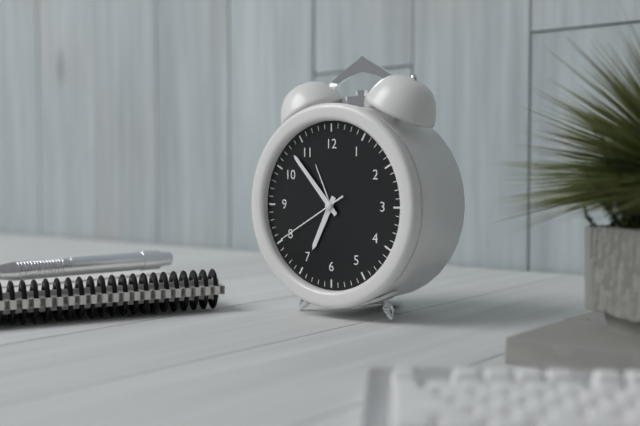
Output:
6,53,40
